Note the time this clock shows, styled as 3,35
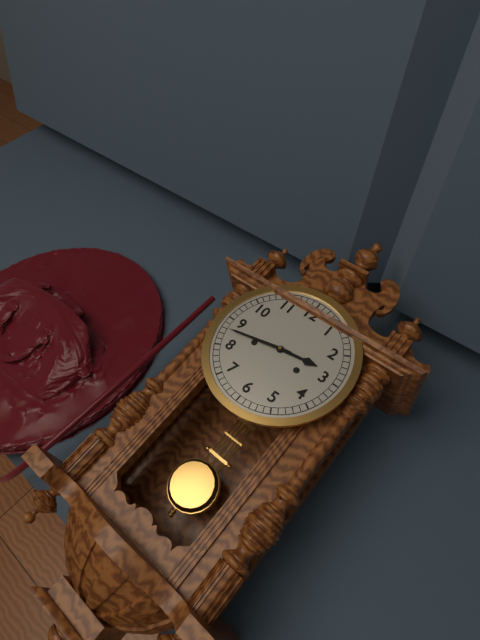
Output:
2,43
